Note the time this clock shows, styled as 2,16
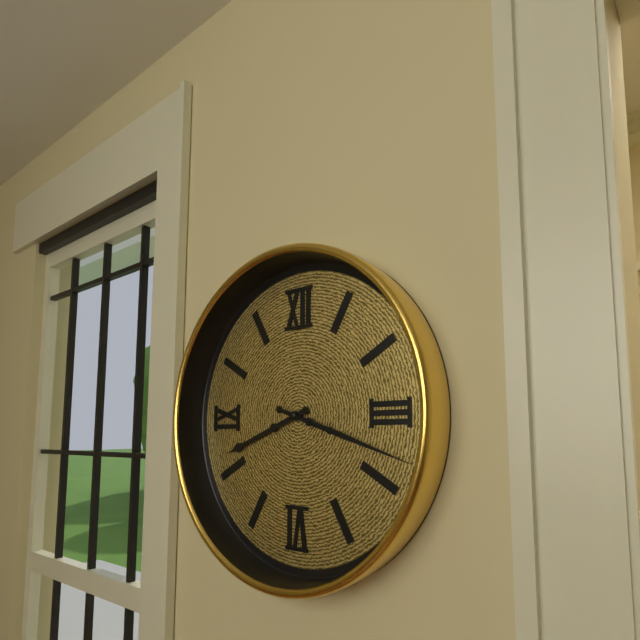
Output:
8,18
